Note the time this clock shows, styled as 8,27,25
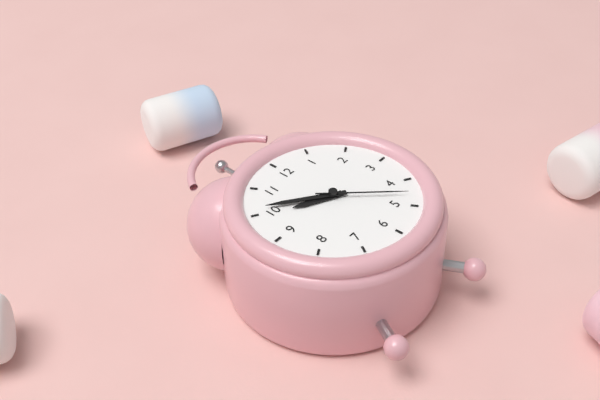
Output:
9,51,23
